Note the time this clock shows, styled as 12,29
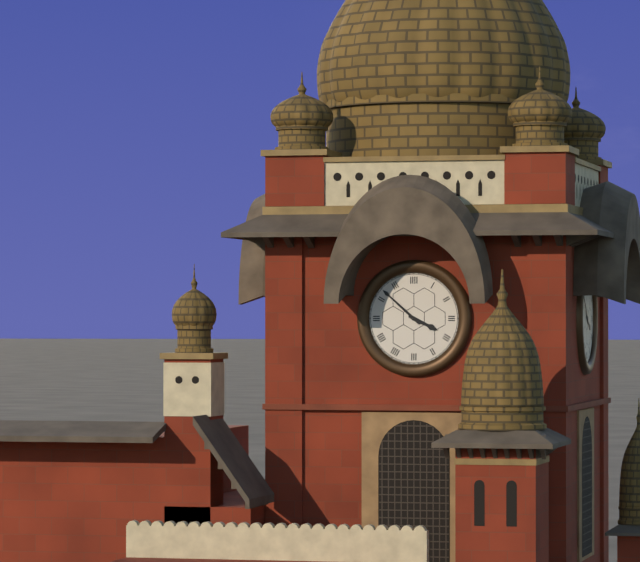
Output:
3,52
